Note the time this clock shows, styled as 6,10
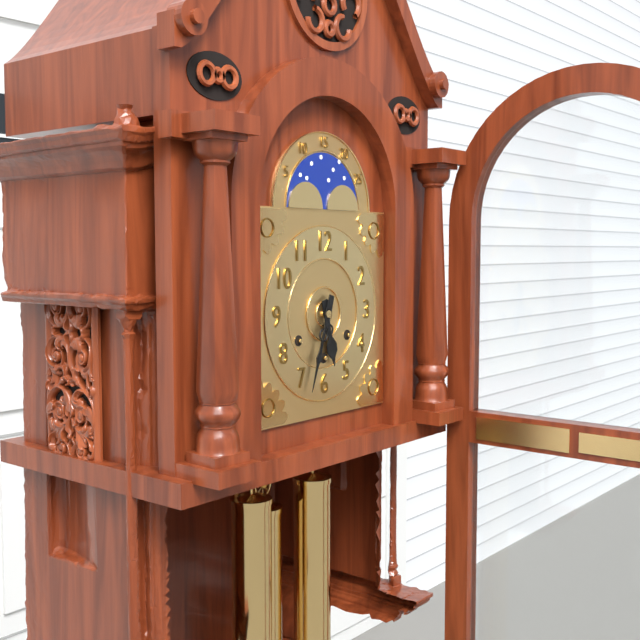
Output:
5,33
